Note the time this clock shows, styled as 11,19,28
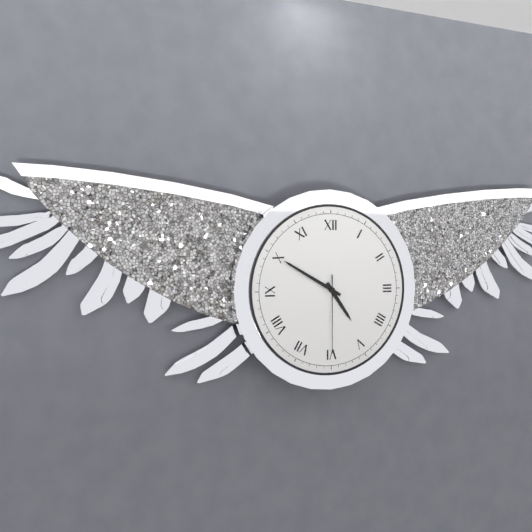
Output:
4,50,30
